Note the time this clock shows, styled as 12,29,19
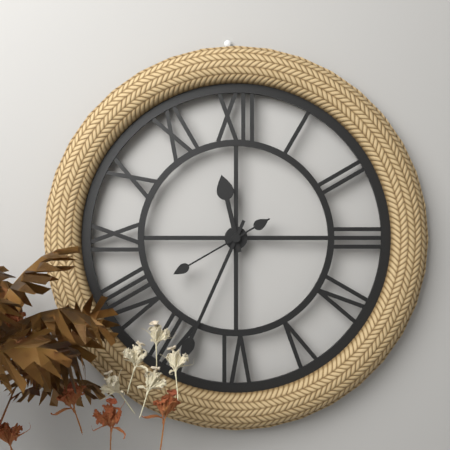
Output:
11,34,40
